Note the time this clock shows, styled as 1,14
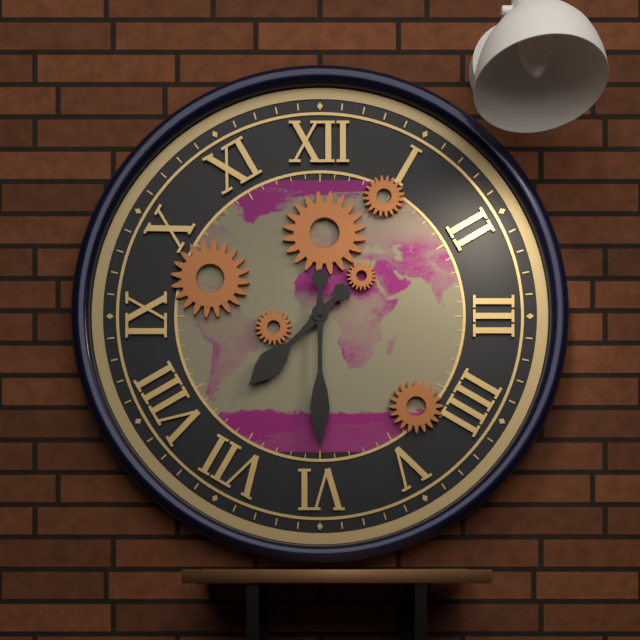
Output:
7,30
